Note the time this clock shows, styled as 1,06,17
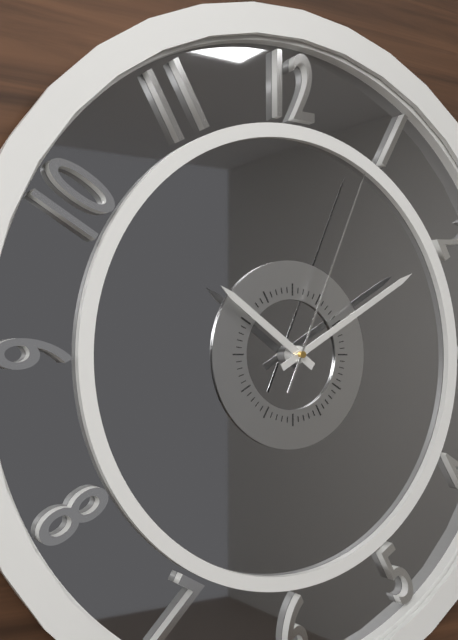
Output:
10,10,04
